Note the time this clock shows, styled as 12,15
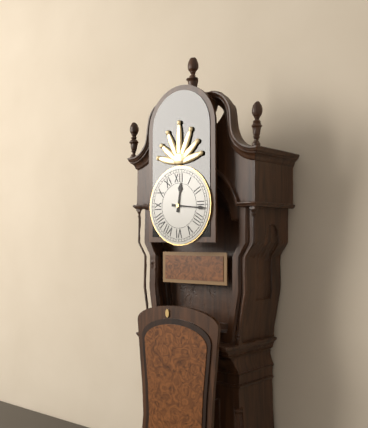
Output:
12,16
